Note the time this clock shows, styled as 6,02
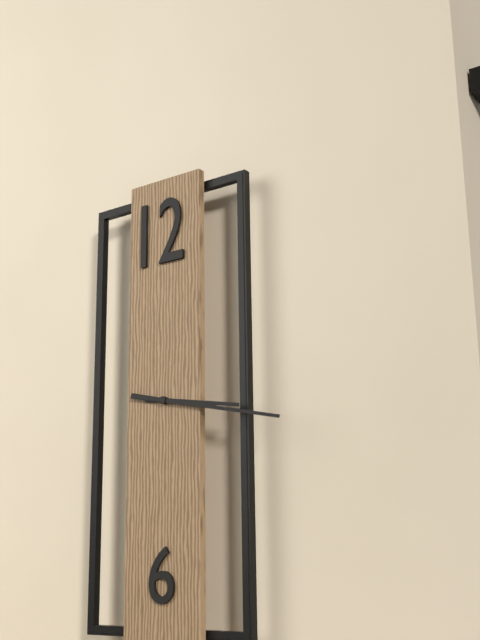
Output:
3,17
